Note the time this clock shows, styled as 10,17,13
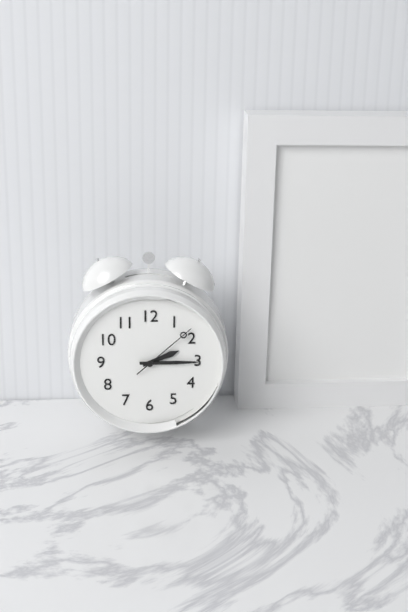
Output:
2,15,08
